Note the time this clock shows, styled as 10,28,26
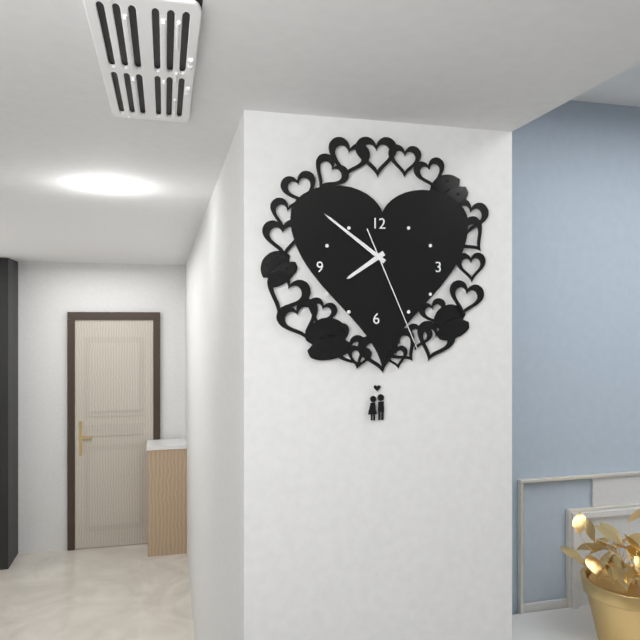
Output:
7,51,26
